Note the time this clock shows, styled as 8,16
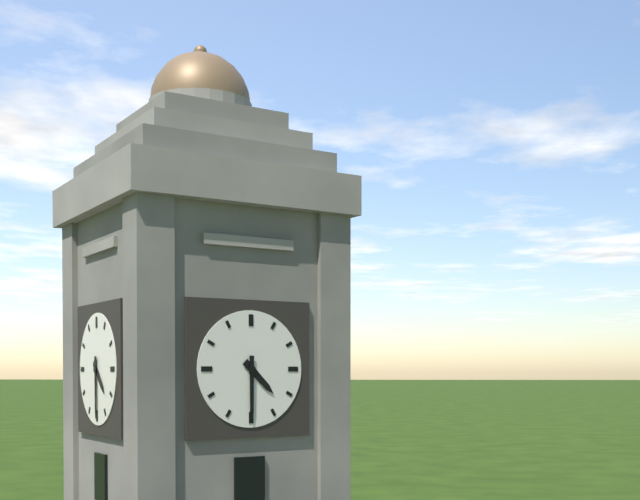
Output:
4,30
